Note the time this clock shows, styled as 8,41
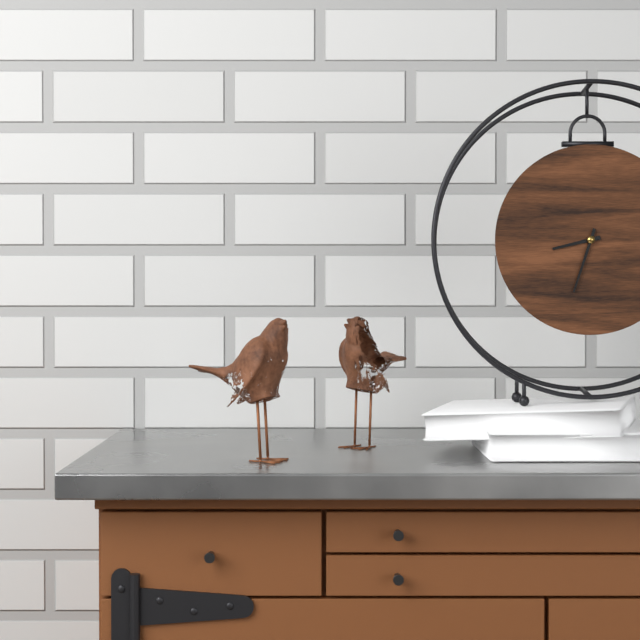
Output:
8,33
